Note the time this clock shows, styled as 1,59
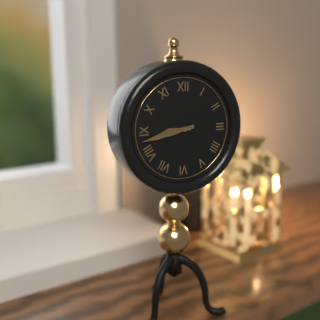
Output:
8,43
